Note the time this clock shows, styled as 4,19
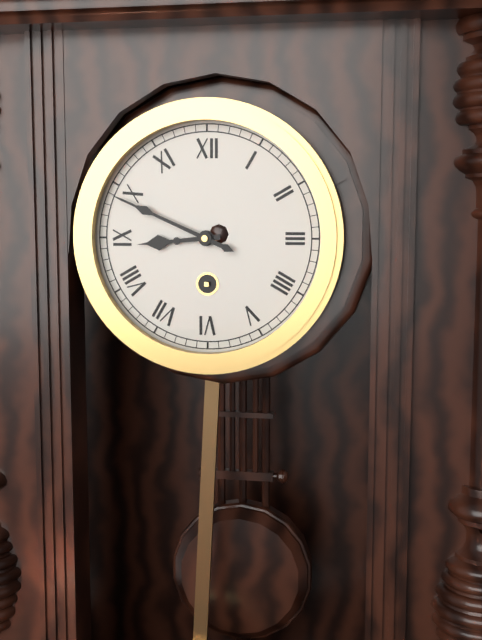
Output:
8,49
